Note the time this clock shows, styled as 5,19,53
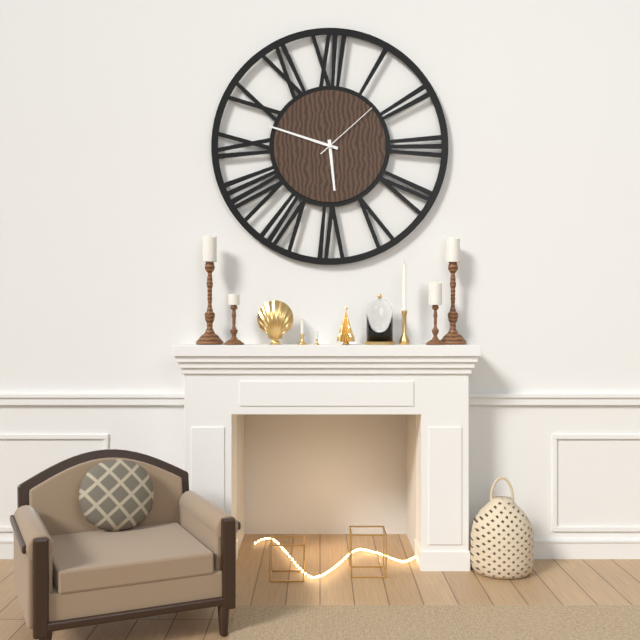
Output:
5,48,08
